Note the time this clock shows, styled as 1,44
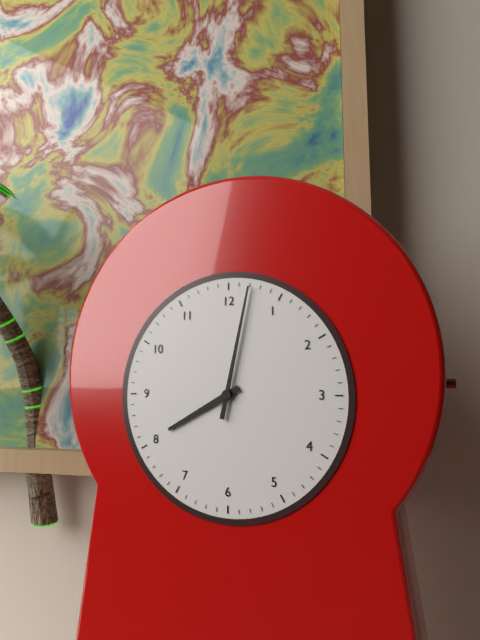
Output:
8,02
